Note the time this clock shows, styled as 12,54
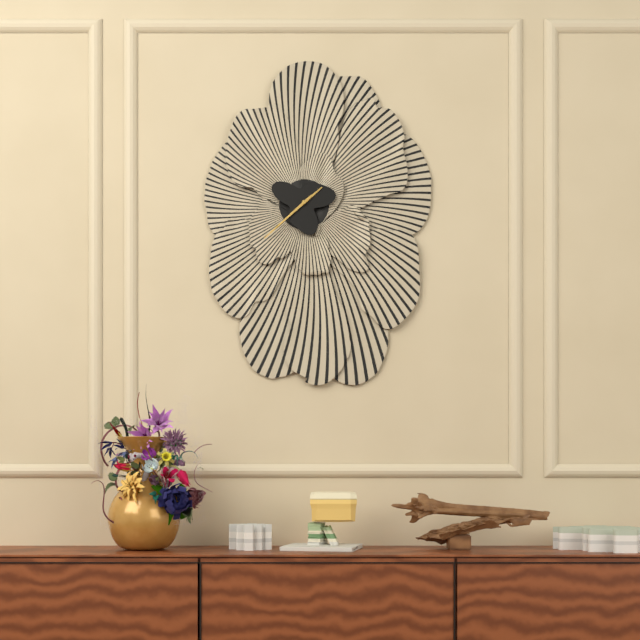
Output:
1,38
